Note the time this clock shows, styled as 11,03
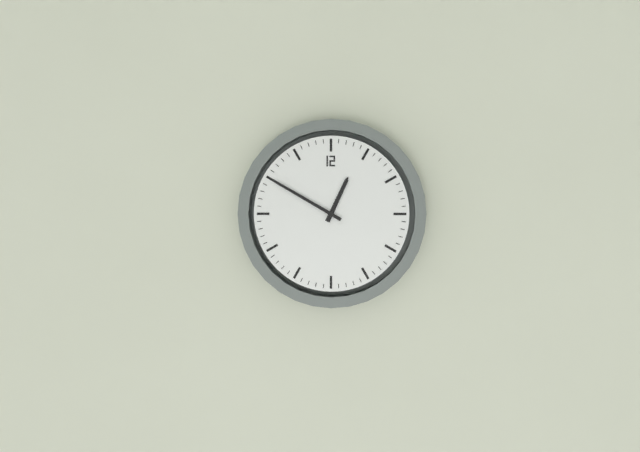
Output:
12,50
